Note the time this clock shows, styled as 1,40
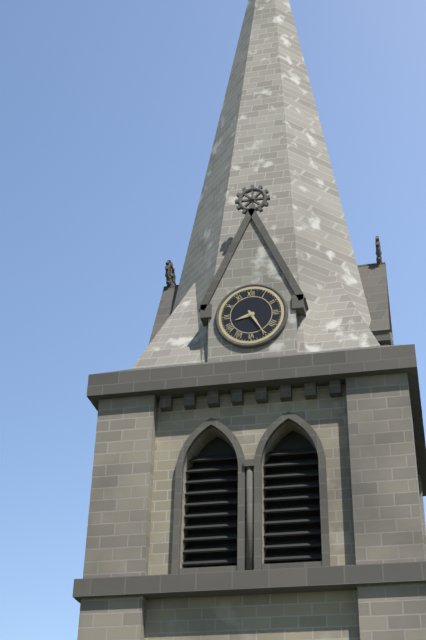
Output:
8,25
